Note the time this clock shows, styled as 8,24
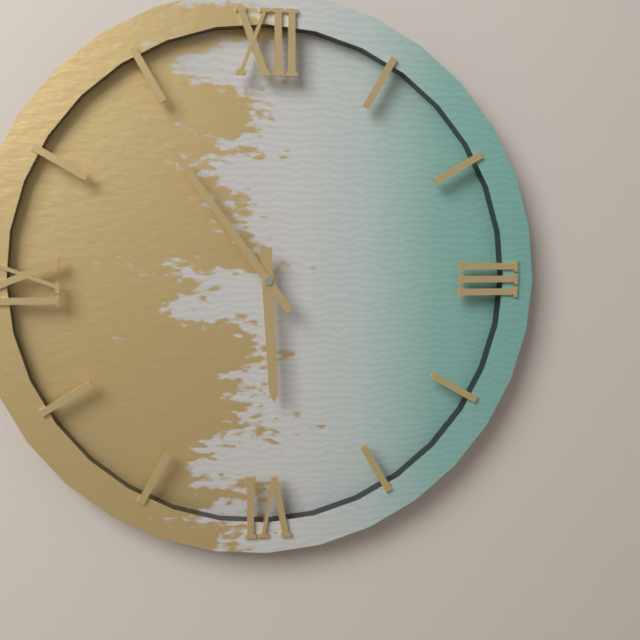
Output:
5,54
